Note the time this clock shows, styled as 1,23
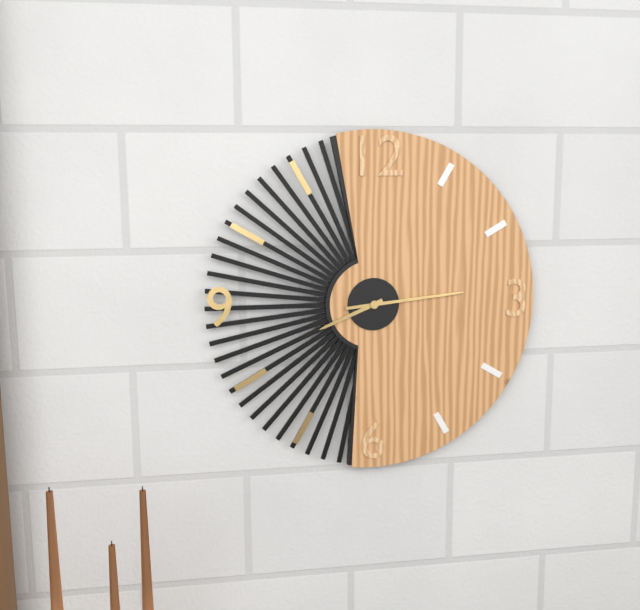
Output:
8,14
